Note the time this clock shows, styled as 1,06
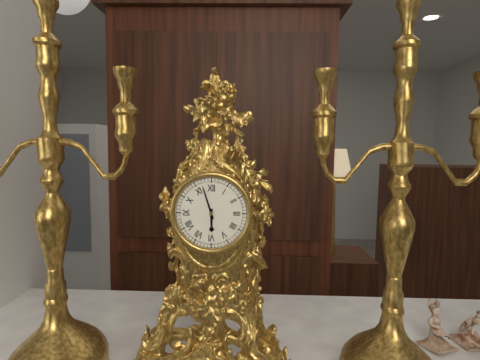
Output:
5,57
